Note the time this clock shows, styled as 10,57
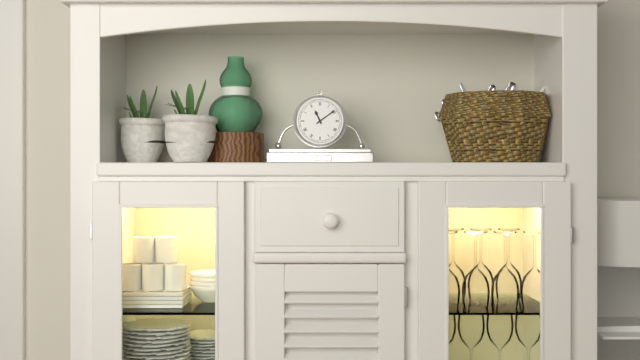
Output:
11,09
